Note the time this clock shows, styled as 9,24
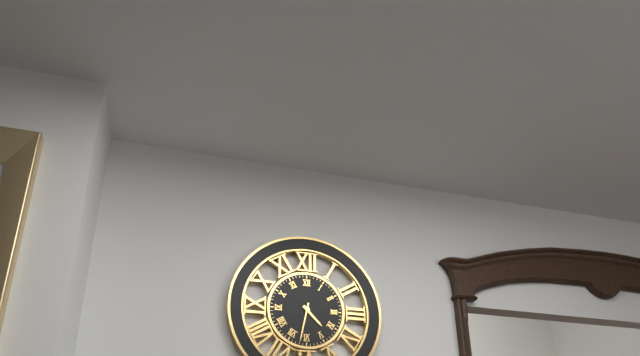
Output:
4,32
